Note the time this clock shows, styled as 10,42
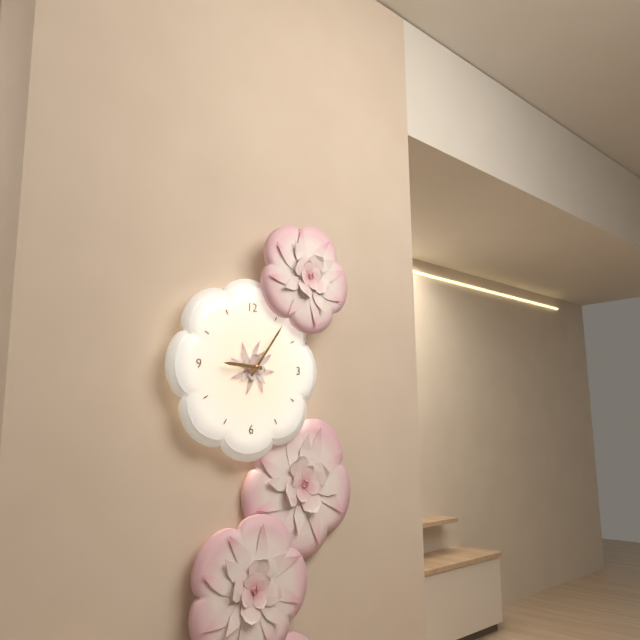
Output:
9,06
